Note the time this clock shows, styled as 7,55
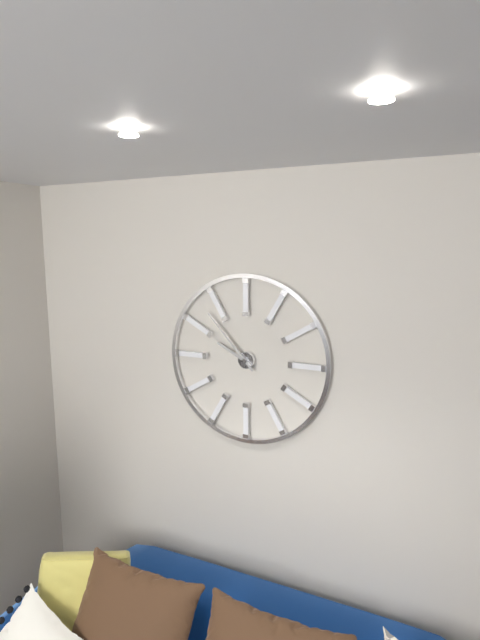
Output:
9,53
